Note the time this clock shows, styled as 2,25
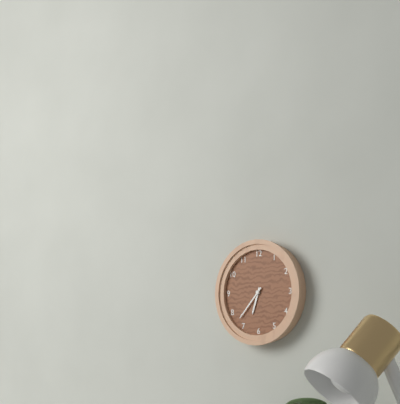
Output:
6,37
